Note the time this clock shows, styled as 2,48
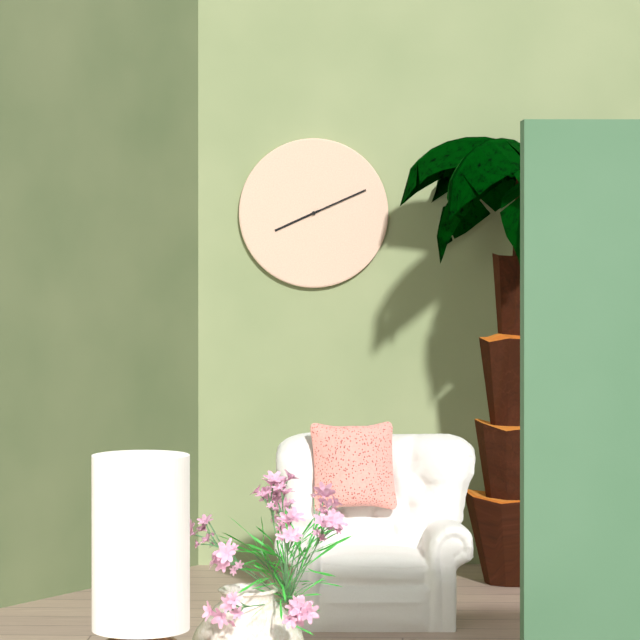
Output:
8,11
